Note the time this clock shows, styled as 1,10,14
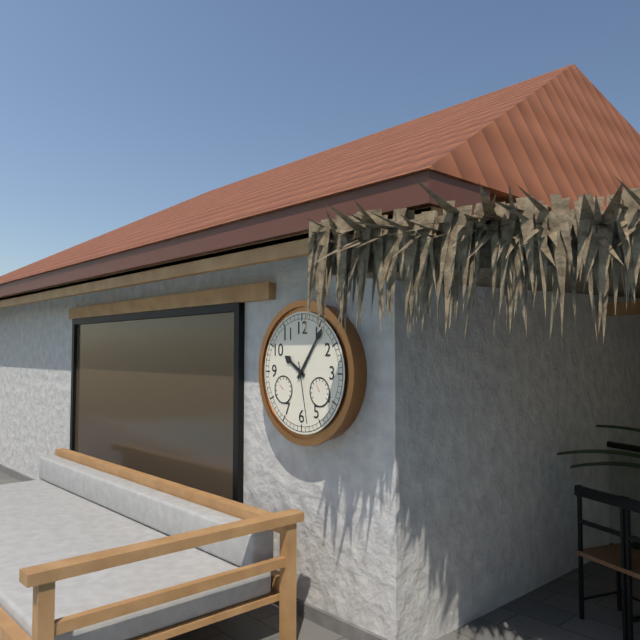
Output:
10,06,28
